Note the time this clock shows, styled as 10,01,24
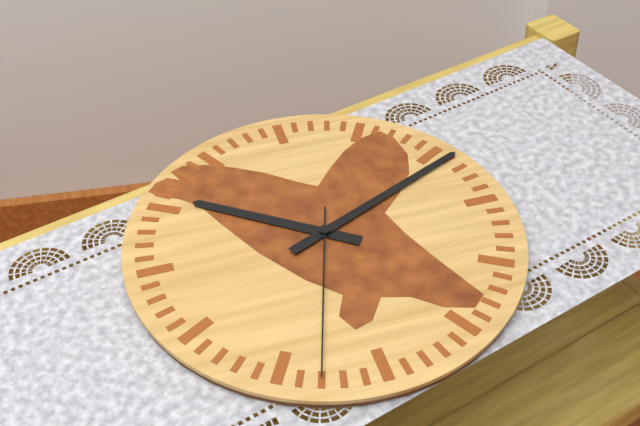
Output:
10,11,33
